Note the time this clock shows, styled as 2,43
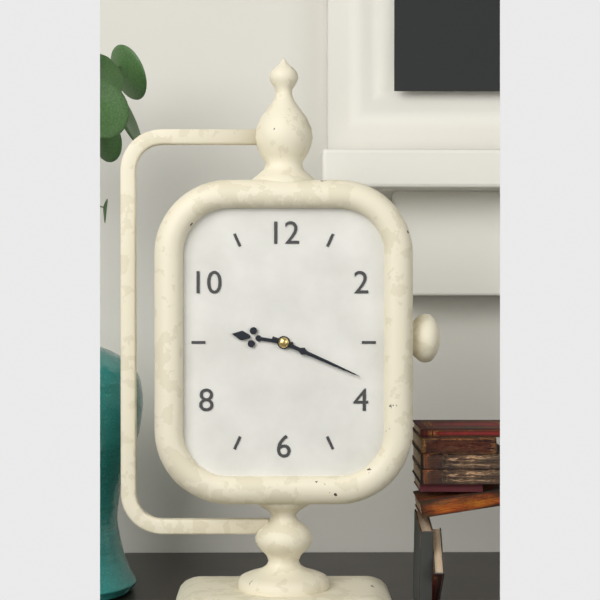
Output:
9,19
